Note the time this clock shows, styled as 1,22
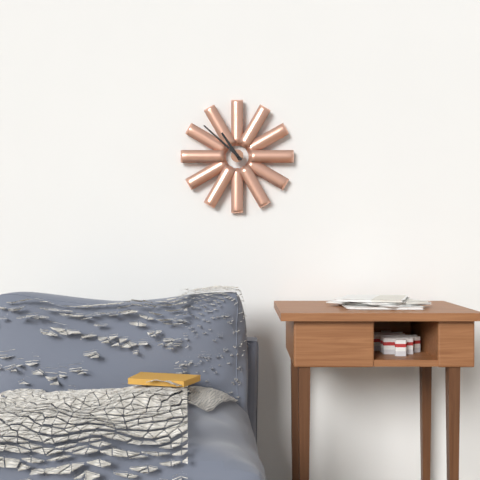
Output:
10,52
